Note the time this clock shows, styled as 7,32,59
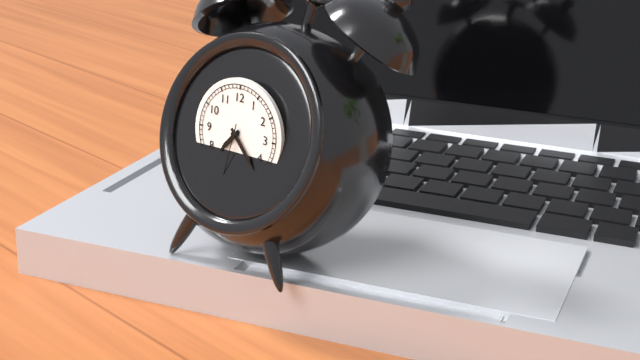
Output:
7,23,32
